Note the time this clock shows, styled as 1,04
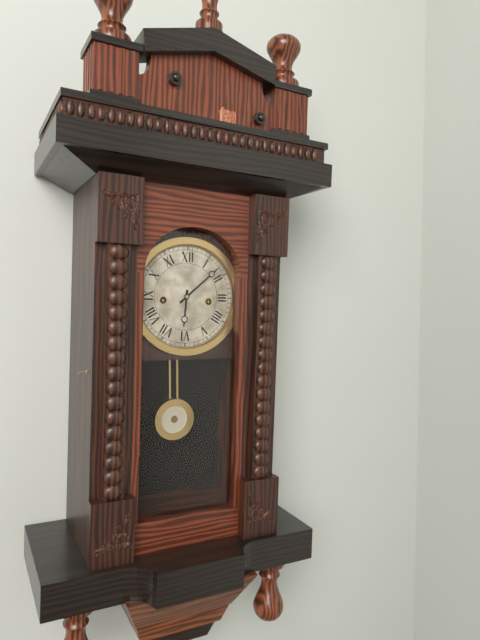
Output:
6,08
